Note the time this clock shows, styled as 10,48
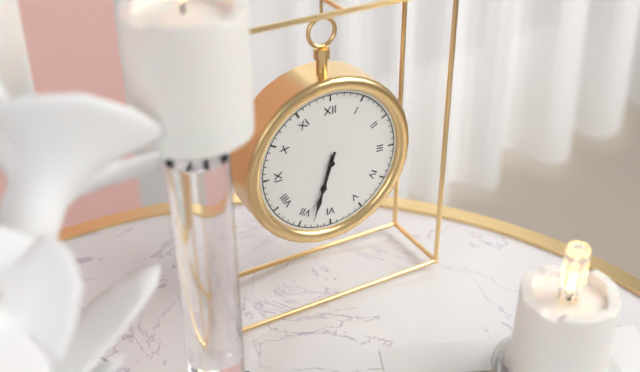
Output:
6,33
